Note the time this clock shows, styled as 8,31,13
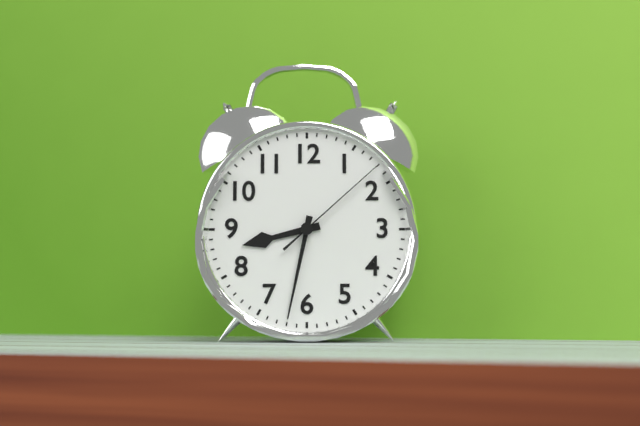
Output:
8,32,08
